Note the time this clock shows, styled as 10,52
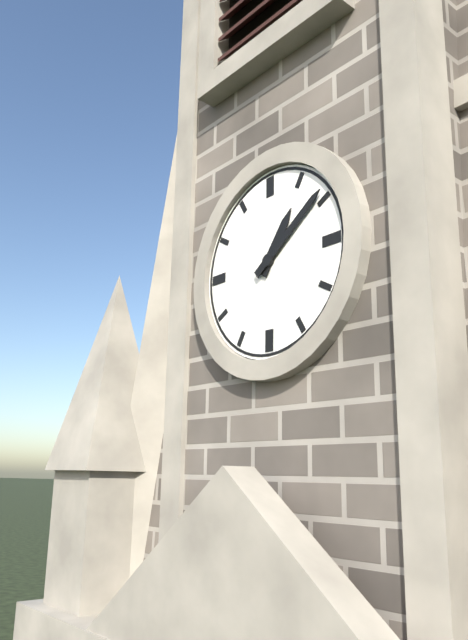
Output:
1,09
